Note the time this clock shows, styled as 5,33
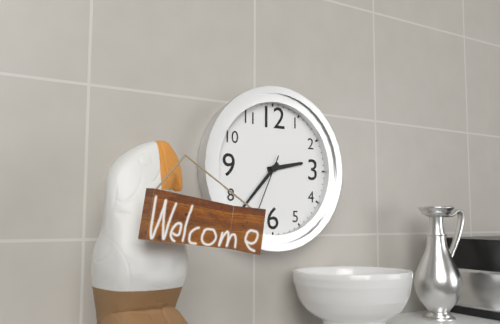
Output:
2,37
